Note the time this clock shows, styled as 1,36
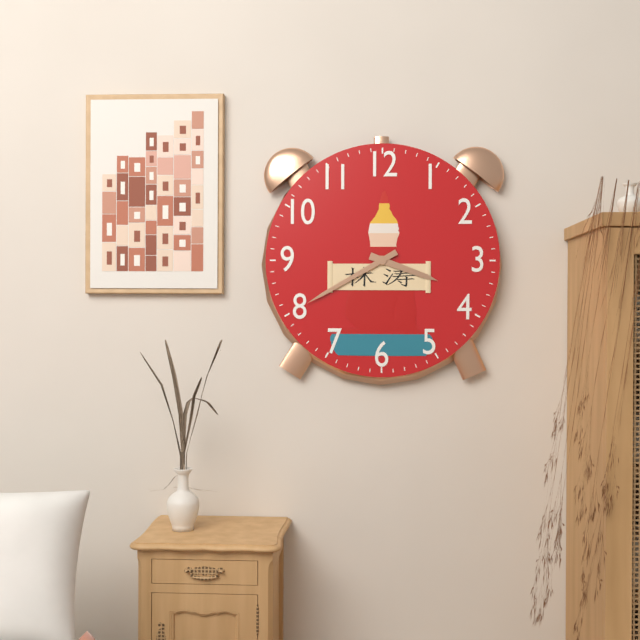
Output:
3,40
